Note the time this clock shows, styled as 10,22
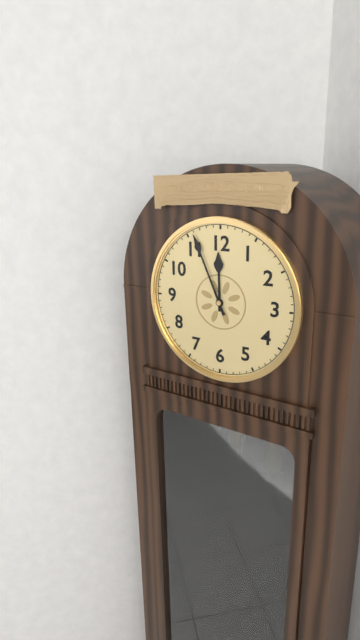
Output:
11,56
